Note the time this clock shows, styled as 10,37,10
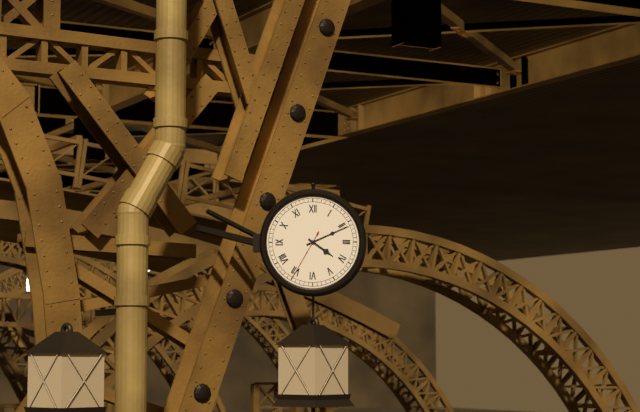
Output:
4,11,35
